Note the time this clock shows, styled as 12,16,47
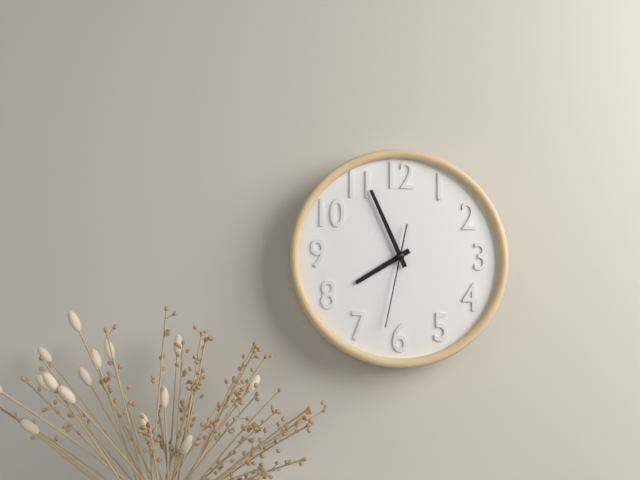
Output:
7,56,32
